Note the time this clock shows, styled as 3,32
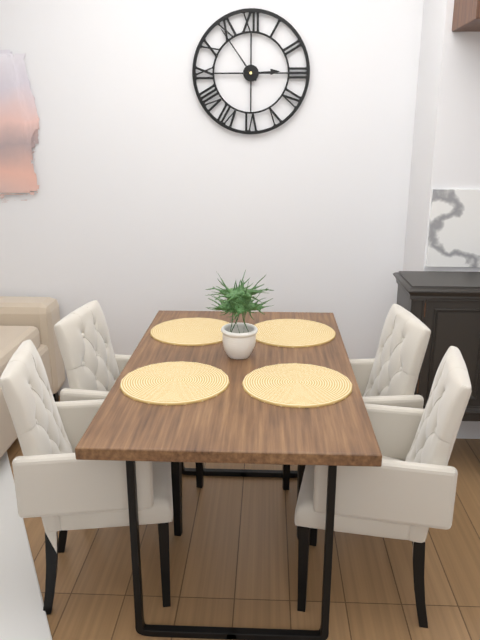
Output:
2,54
